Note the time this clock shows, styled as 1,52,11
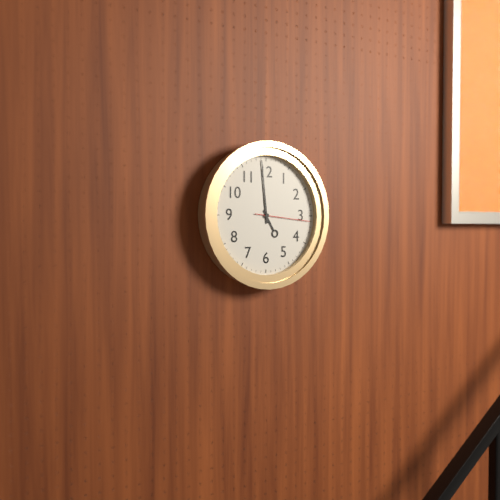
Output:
4,59,16
